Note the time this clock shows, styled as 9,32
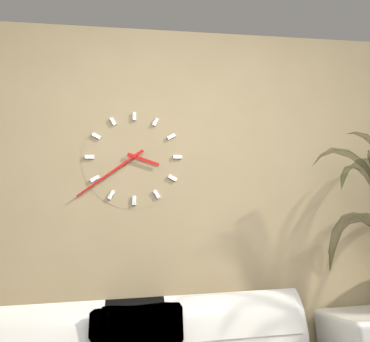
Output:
3,39
